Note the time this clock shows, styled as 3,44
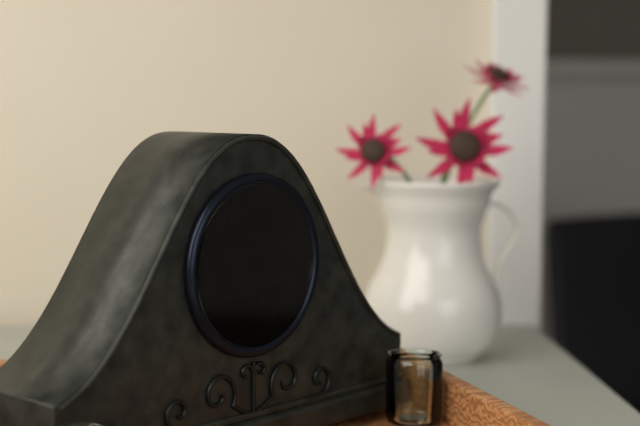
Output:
8,58
